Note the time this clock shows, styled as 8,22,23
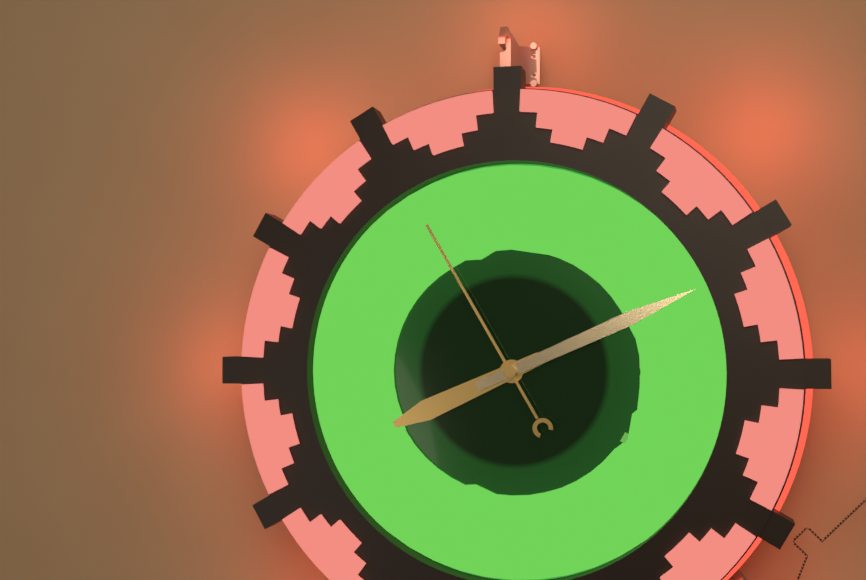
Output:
8,11,55
